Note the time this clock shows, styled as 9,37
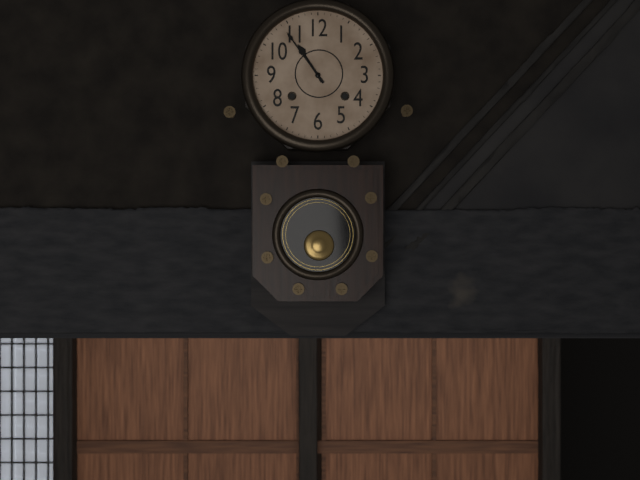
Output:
10,54
